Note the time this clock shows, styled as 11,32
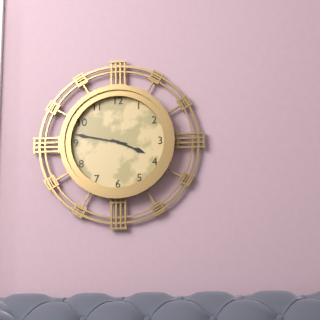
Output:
3,47
